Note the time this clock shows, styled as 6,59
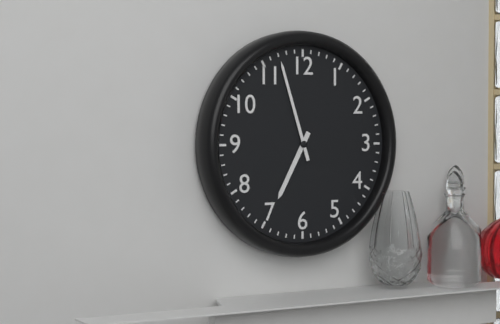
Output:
6,57
